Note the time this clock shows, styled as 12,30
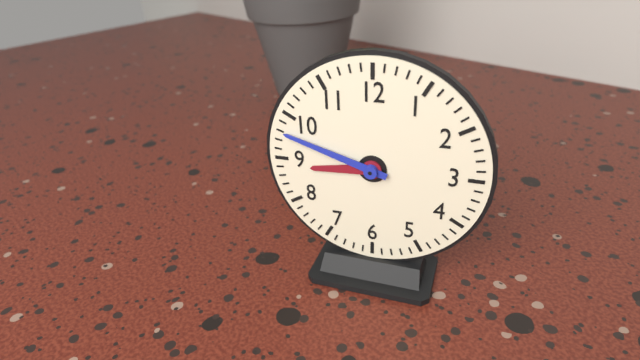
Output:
8,48
